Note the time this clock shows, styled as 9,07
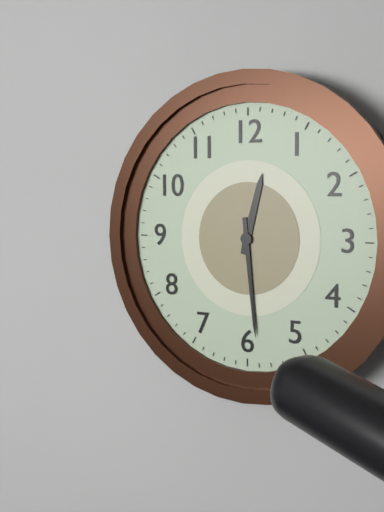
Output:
12,29
